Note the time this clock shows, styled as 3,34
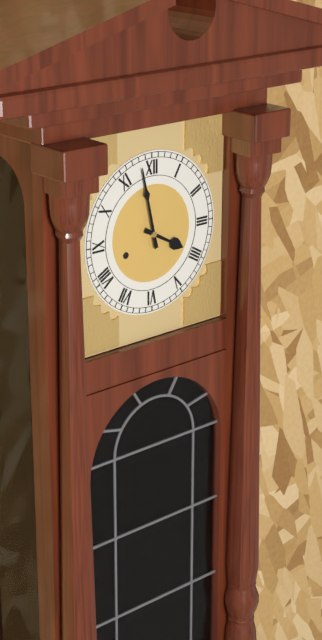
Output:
3,58
